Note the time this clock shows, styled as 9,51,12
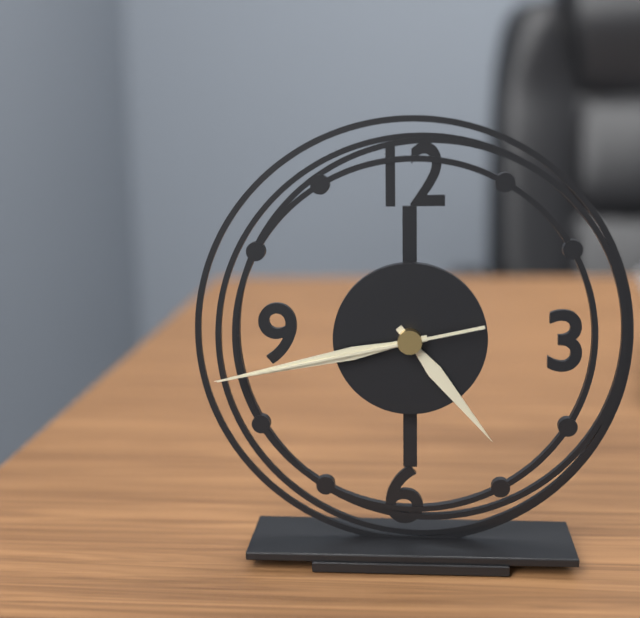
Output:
4,43,43
